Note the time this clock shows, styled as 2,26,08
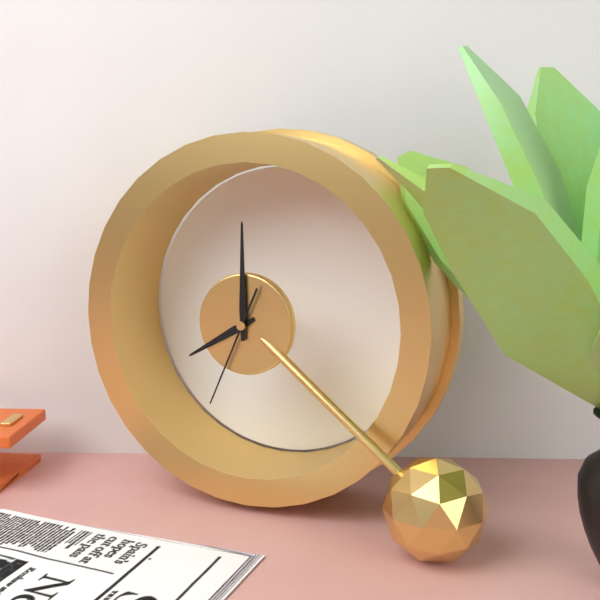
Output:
8,00,34
